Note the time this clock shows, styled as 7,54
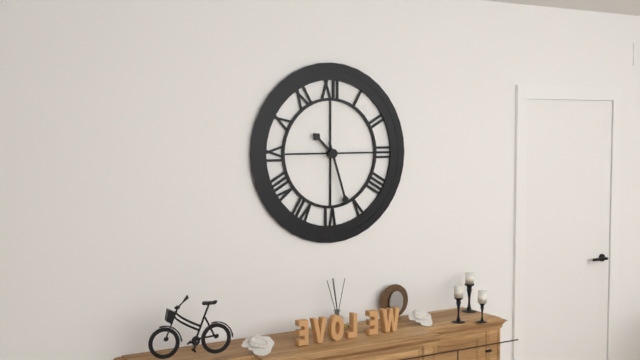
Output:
10,27
